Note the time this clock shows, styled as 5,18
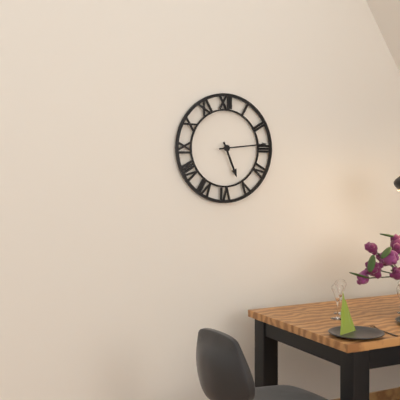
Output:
5,14
